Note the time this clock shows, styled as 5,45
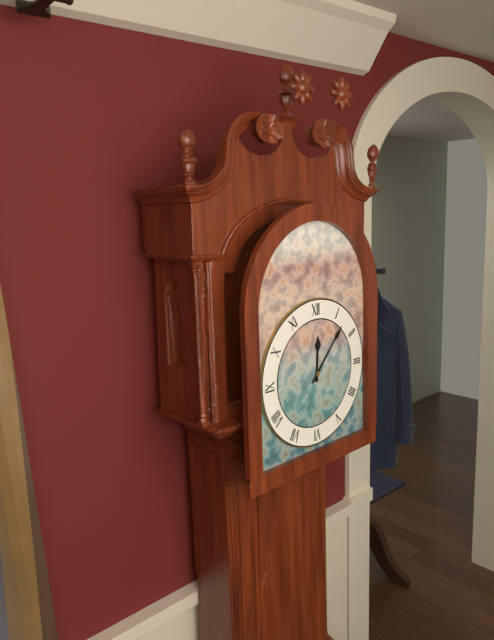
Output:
12,07
